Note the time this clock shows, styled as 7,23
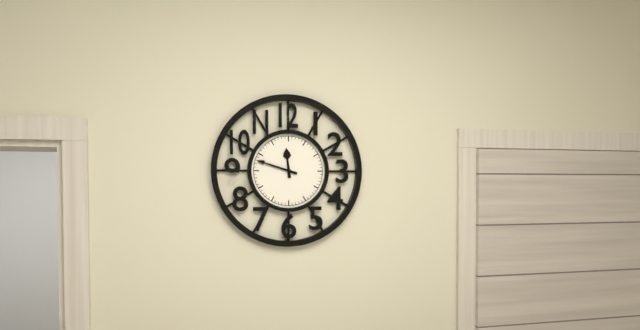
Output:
11,48
